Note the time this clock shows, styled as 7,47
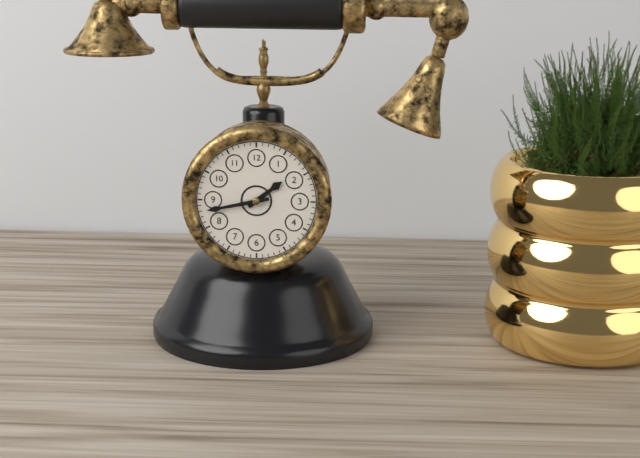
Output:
1,43
